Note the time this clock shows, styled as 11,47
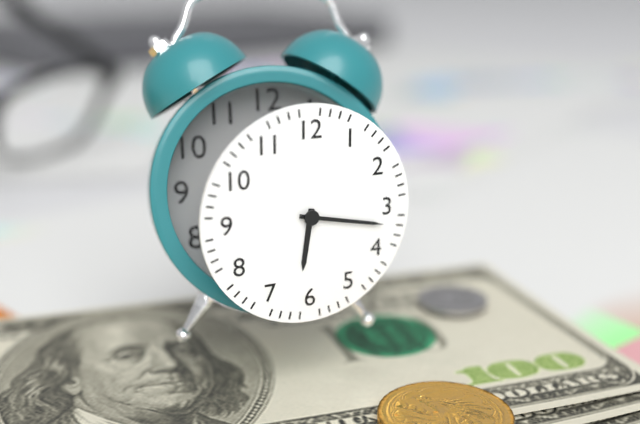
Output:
6,17
